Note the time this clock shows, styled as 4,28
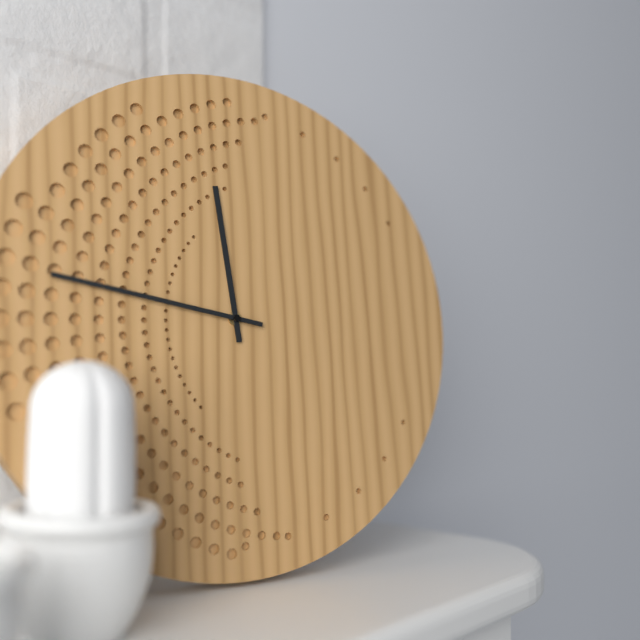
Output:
11,47
